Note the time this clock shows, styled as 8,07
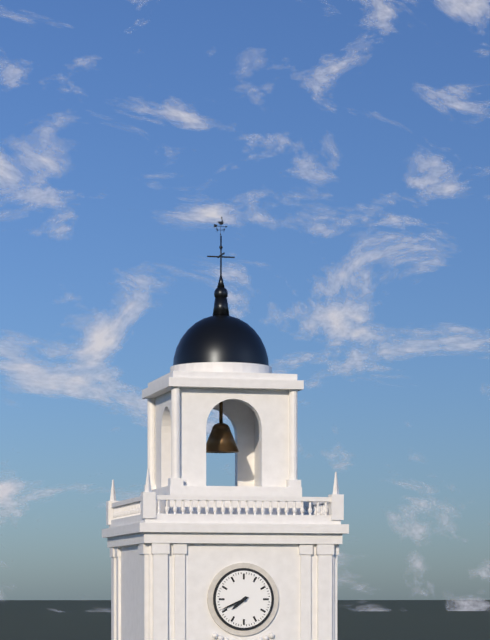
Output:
7,41
